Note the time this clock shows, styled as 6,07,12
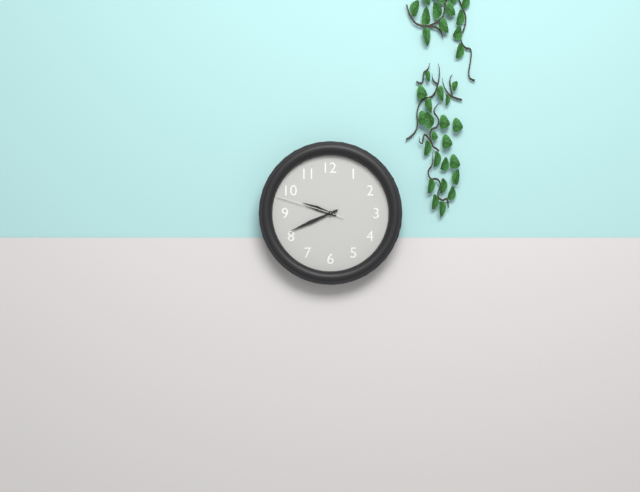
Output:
9,41,48
